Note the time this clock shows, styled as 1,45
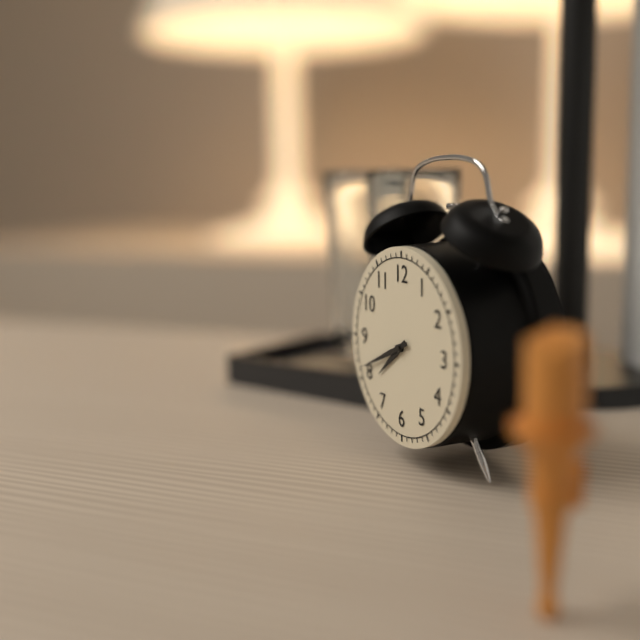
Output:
7,41
